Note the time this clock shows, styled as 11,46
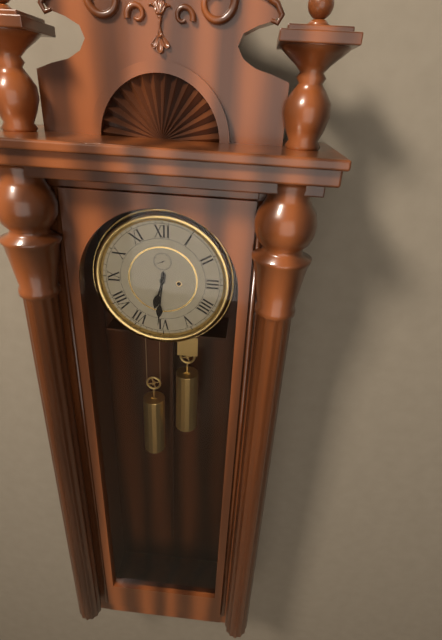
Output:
6,31
